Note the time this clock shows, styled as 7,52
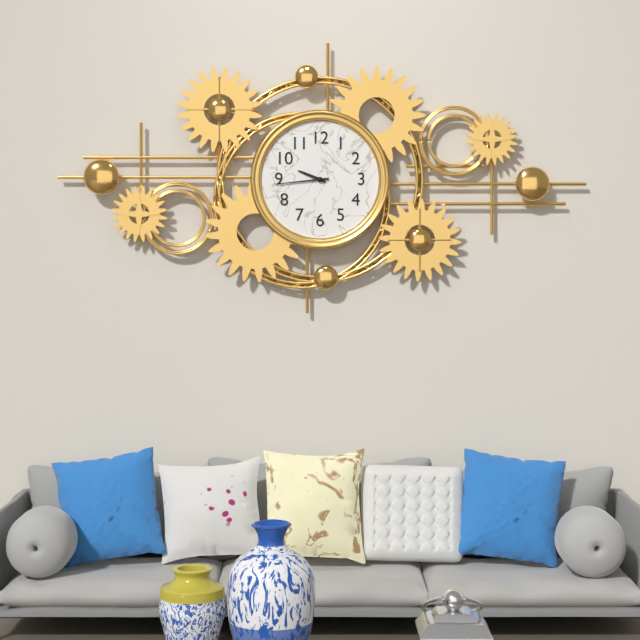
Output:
9,44
